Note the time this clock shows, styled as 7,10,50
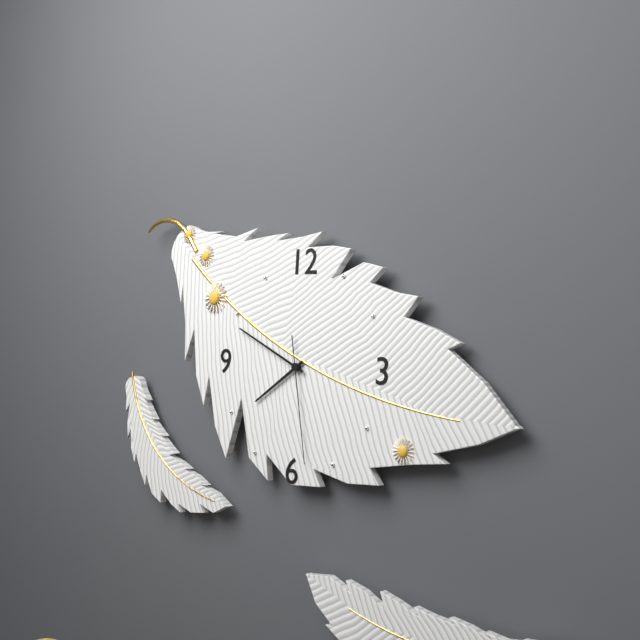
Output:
7,49,28
